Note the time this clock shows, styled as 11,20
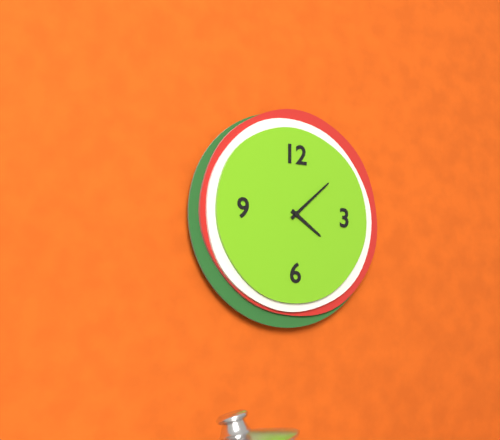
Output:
4,08
